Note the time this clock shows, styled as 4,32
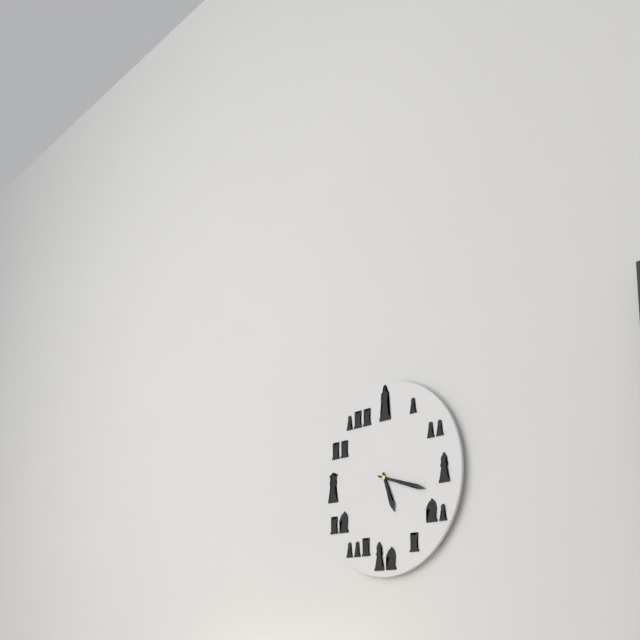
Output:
5,18
